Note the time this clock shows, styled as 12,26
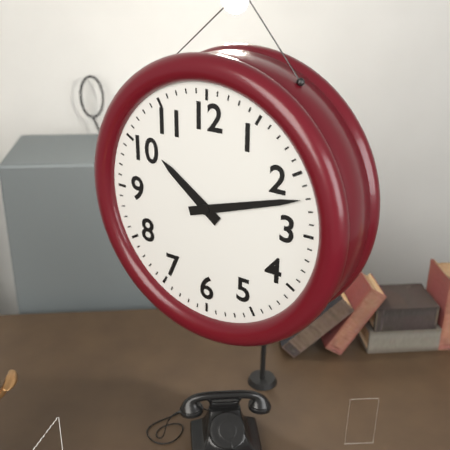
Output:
10,12
